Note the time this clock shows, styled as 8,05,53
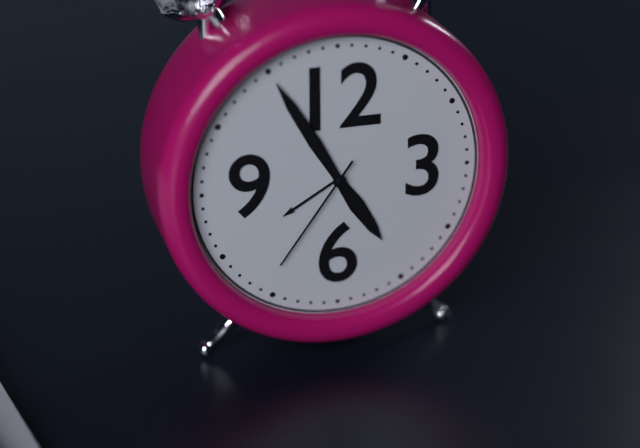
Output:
4,55,36
